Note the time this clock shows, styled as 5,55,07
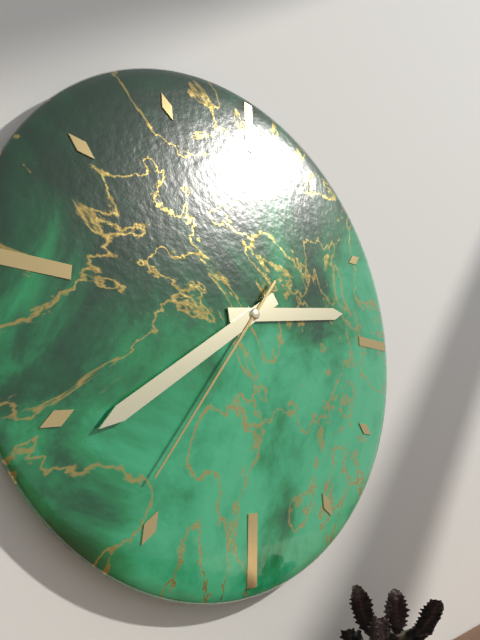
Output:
2,39,36
